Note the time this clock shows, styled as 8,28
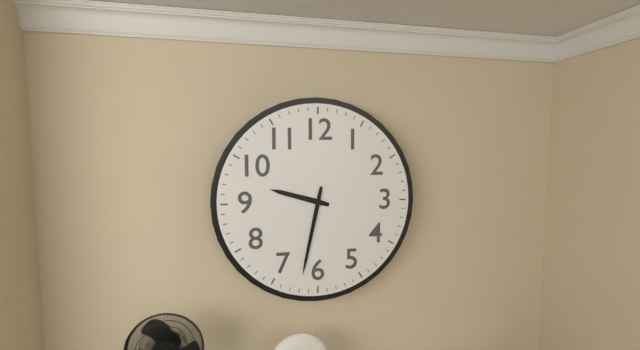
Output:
9,32
